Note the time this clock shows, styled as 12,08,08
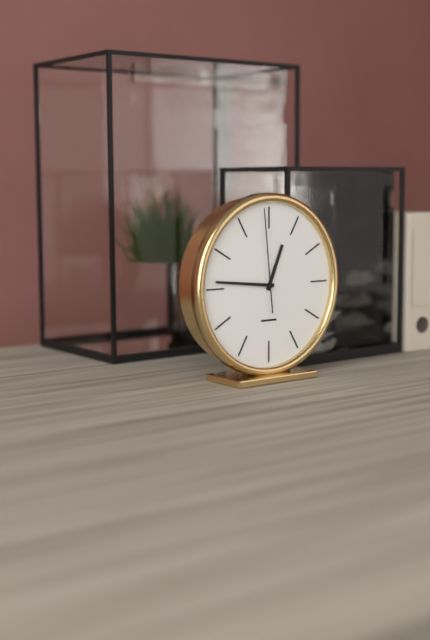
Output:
12,46,59
